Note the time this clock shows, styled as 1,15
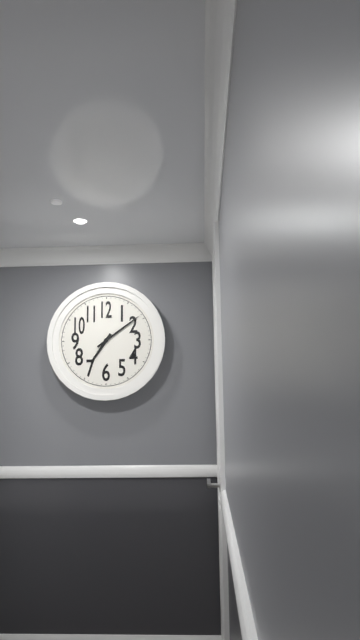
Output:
7,09
